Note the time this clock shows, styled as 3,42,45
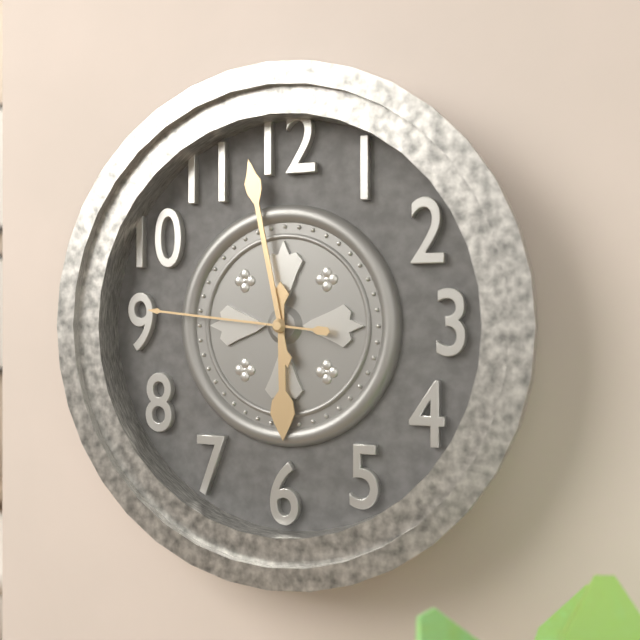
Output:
5,58,46
